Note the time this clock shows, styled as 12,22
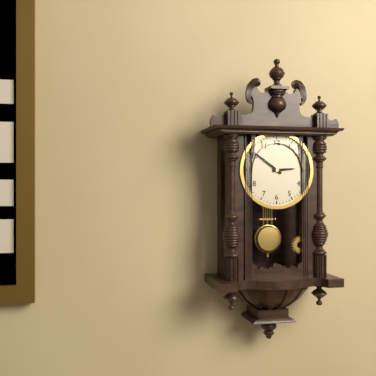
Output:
2,51
